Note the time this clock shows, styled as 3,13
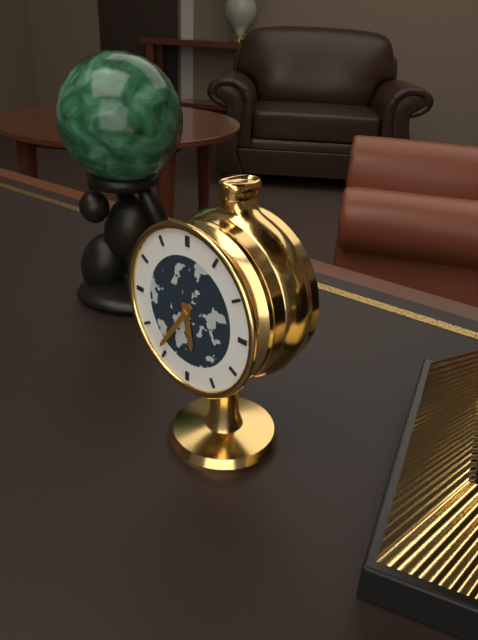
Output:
5,36
